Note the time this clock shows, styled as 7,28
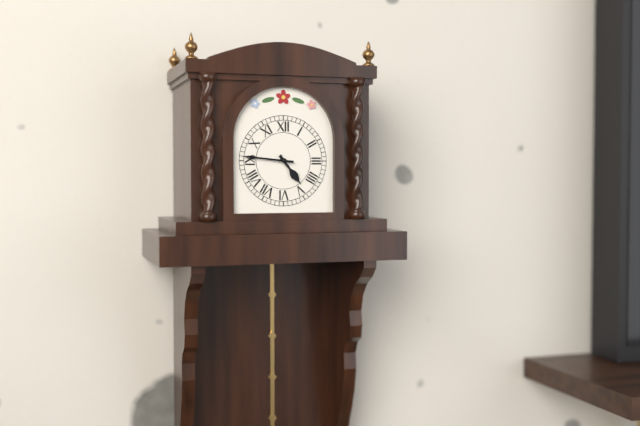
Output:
4,46
